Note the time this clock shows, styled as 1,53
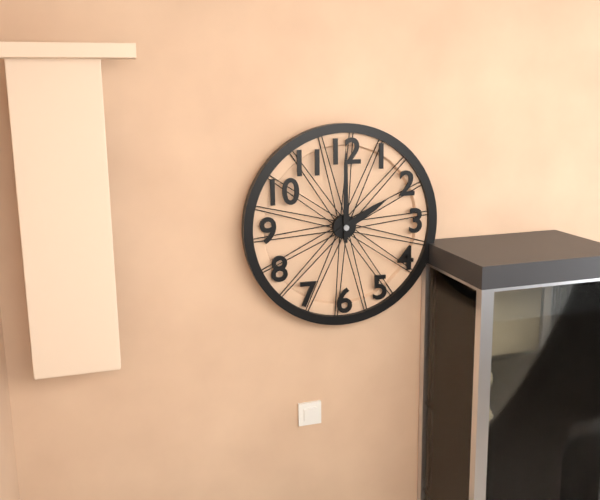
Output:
2,00
